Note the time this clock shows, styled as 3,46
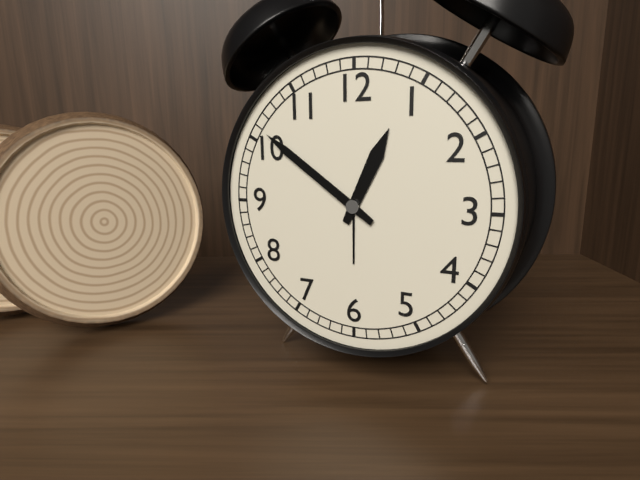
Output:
12,51
